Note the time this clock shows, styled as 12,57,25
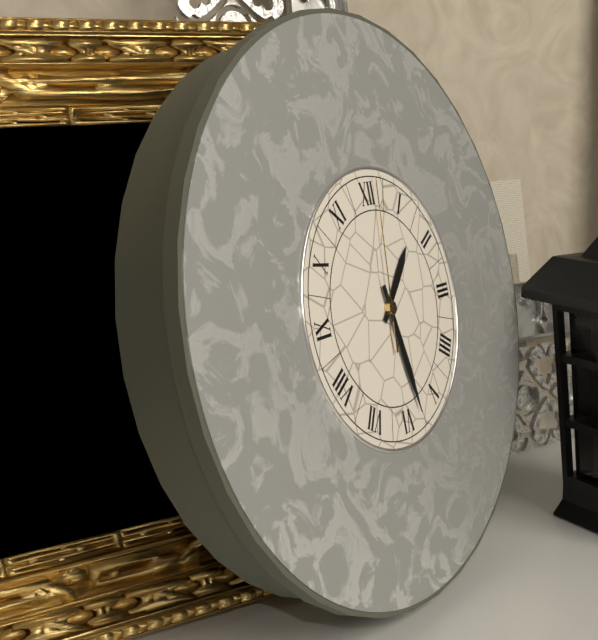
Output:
1,28,01
